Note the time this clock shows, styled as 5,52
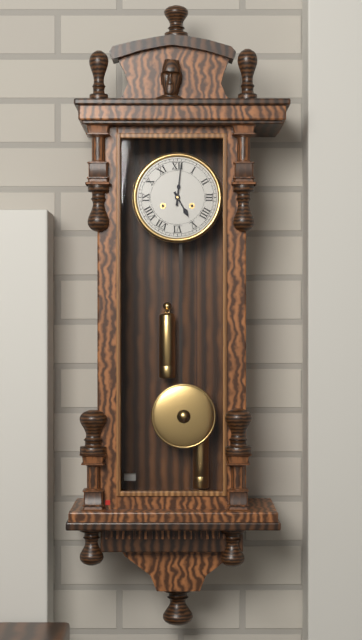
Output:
5,01
